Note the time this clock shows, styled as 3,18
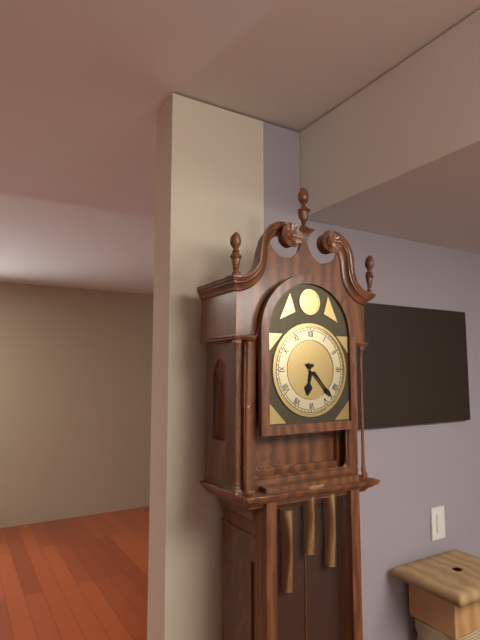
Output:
6,23
